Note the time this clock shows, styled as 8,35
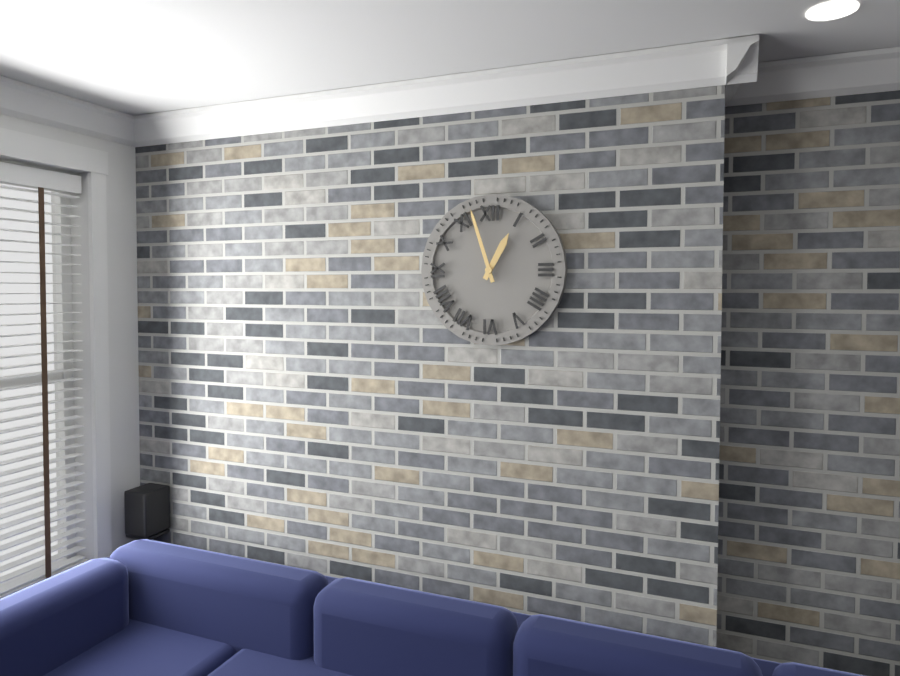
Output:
12,57
